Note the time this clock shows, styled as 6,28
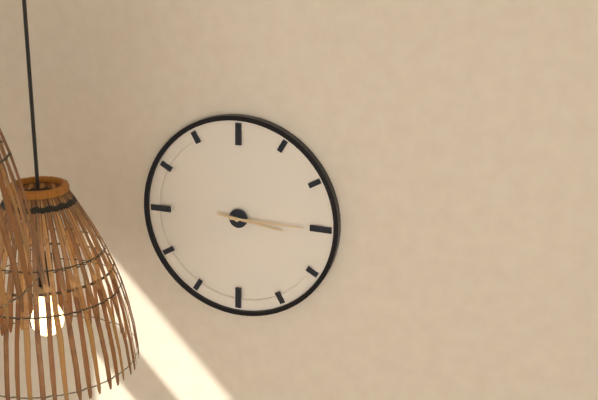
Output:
3,15
